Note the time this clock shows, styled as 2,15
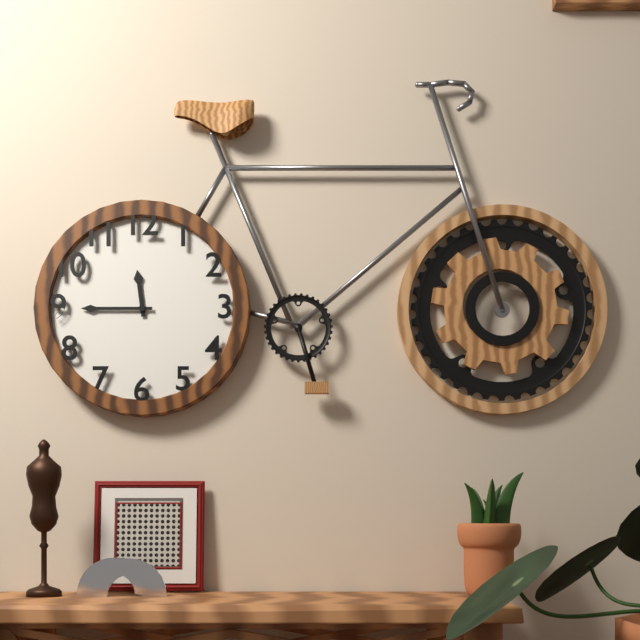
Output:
11,45
